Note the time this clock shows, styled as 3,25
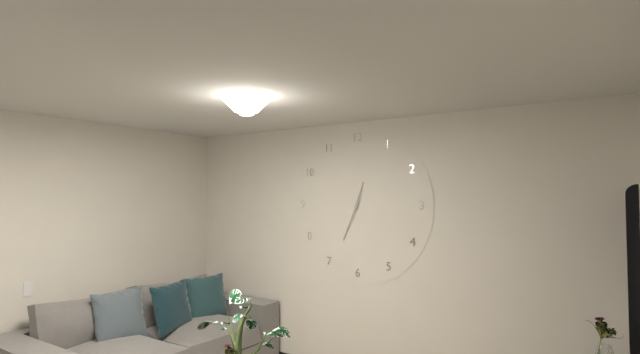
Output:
12,34
